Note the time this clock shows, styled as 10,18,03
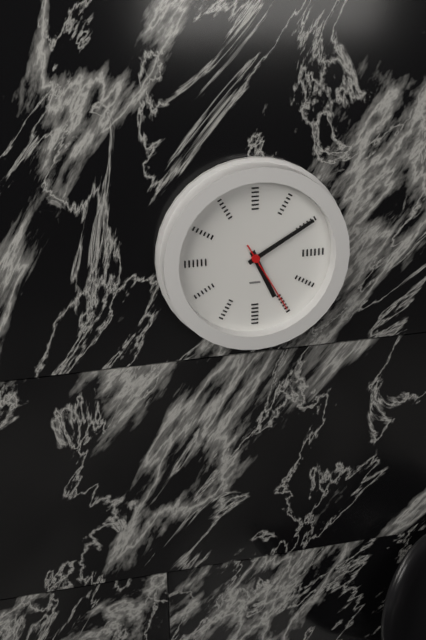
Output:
5,10,25
